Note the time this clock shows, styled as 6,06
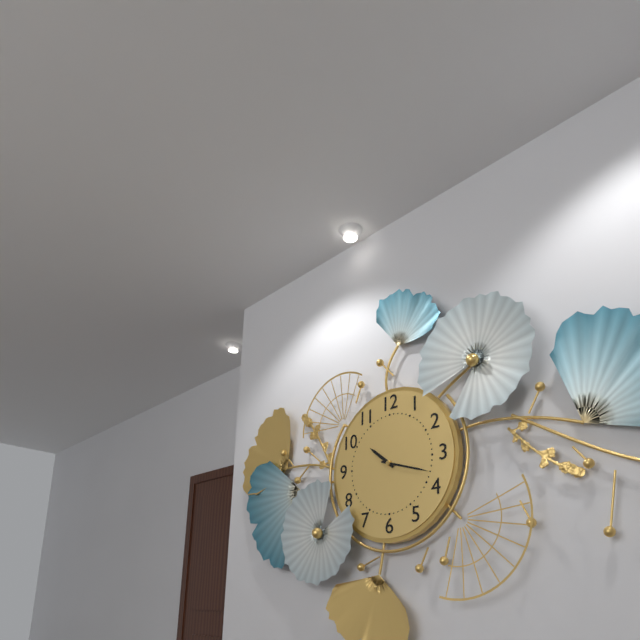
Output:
10,18
